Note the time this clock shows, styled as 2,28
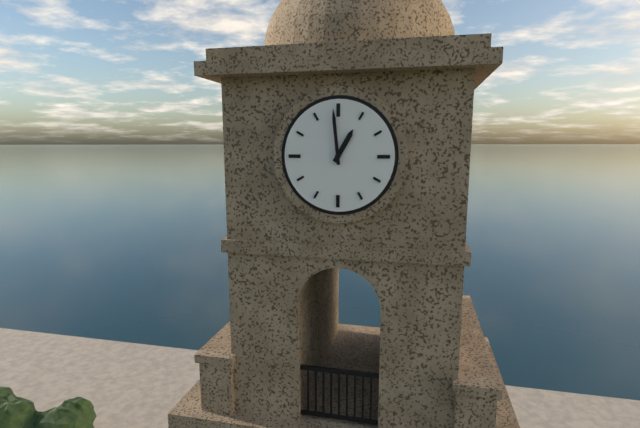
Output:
12,59
